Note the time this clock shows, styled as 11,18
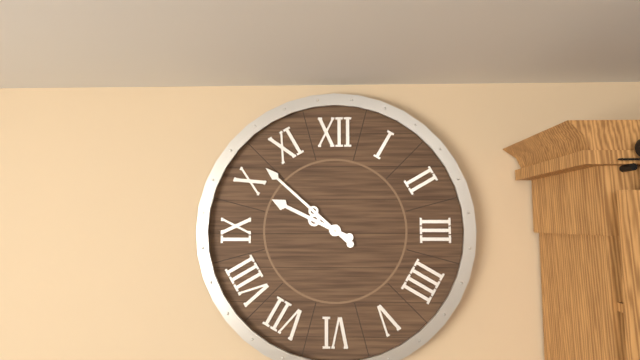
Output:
9,52
